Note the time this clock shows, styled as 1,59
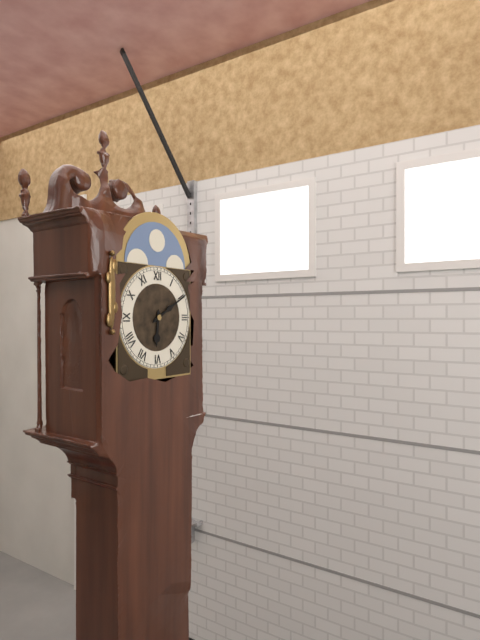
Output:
6,10
